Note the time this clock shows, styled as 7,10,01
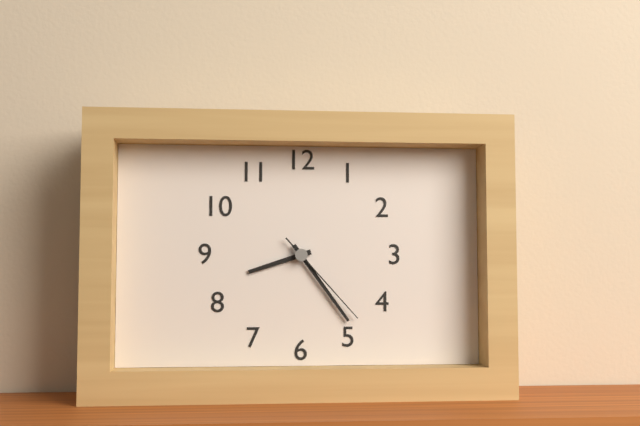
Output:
8,24,23
